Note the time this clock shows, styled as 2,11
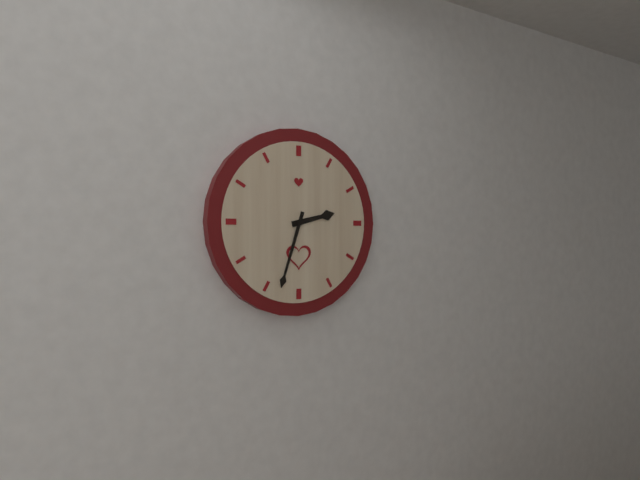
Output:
2,33
